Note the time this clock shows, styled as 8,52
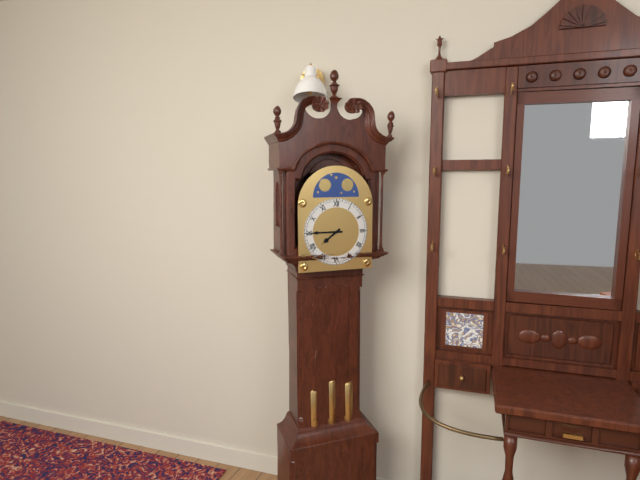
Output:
7,45
